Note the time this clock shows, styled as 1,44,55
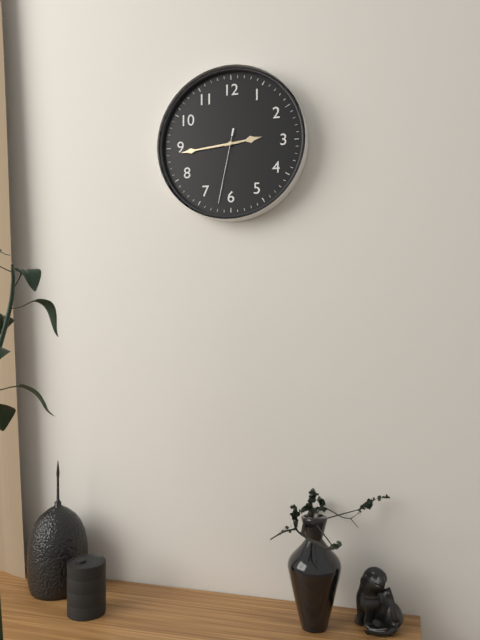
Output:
2,44,32
